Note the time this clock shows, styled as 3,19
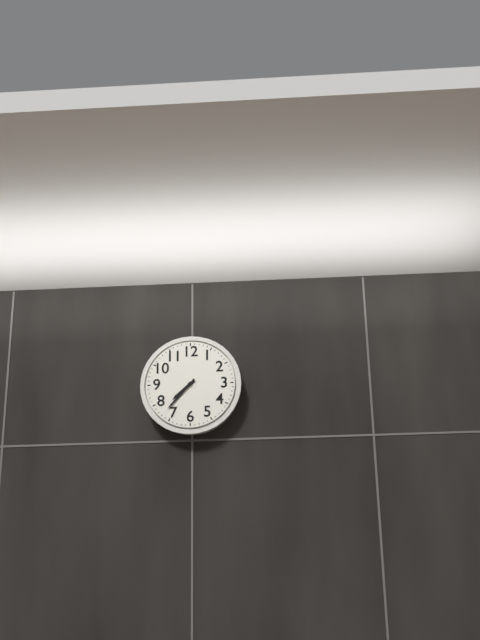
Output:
7,37
